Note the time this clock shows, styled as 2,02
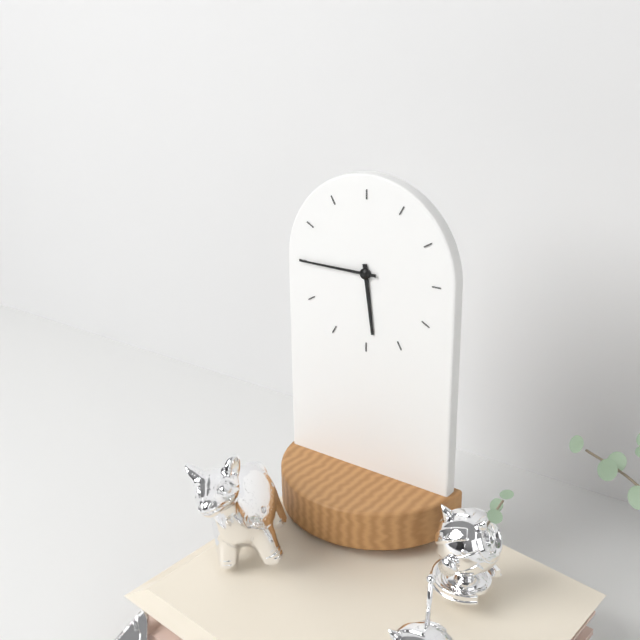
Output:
5,45
